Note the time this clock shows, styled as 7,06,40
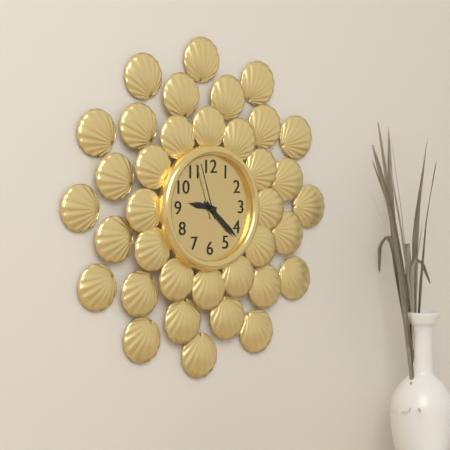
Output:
9,22,57
